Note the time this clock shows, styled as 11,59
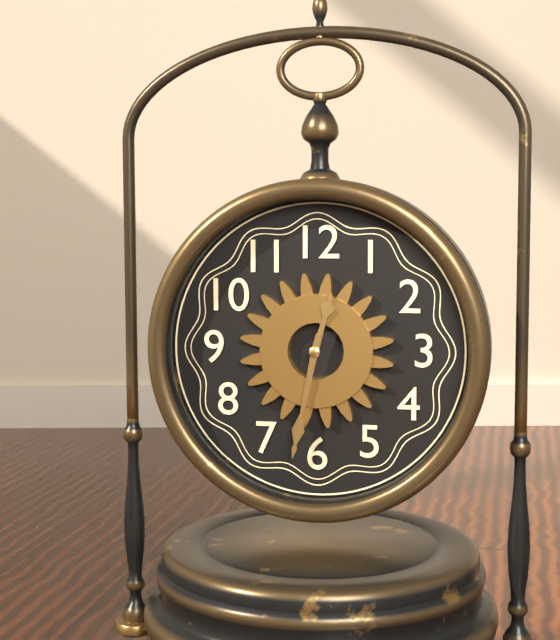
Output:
12,32
